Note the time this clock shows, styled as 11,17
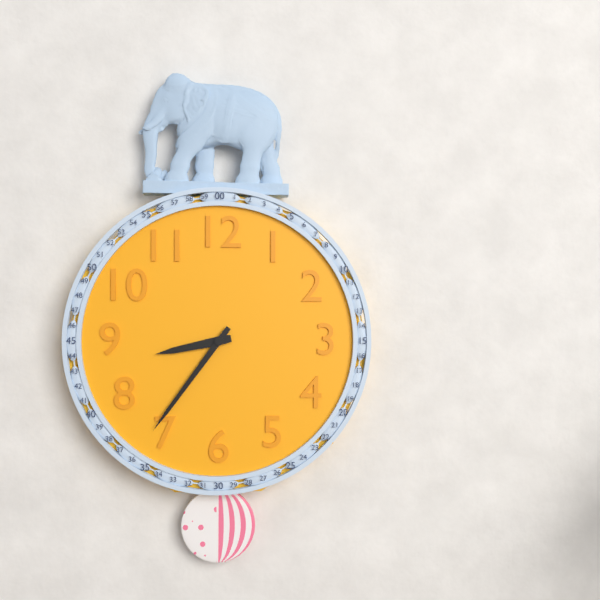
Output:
8,36
